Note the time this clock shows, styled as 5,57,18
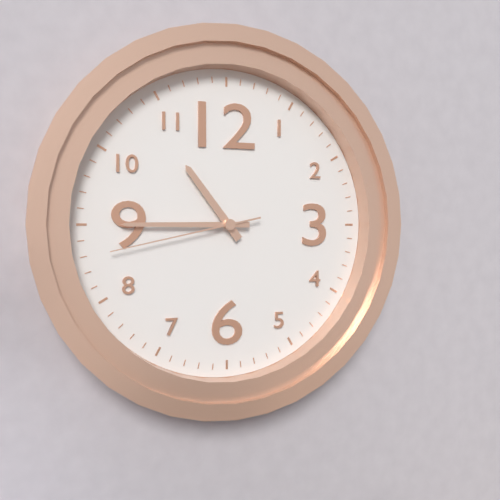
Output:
10,45,43
